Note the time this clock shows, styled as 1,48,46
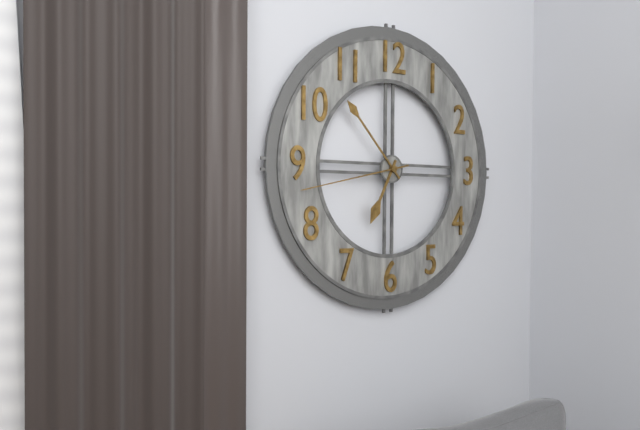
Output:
6,53,43
